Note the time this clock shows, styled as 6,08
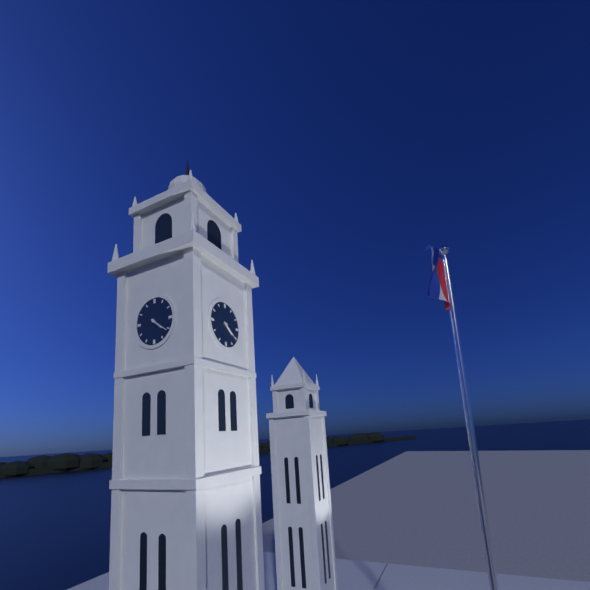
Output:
4,21
